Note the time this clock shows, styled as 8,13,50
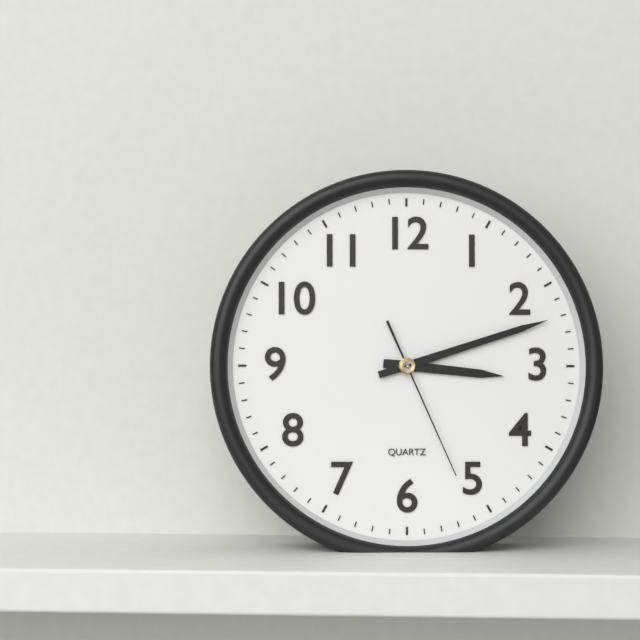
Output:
3,12,26
